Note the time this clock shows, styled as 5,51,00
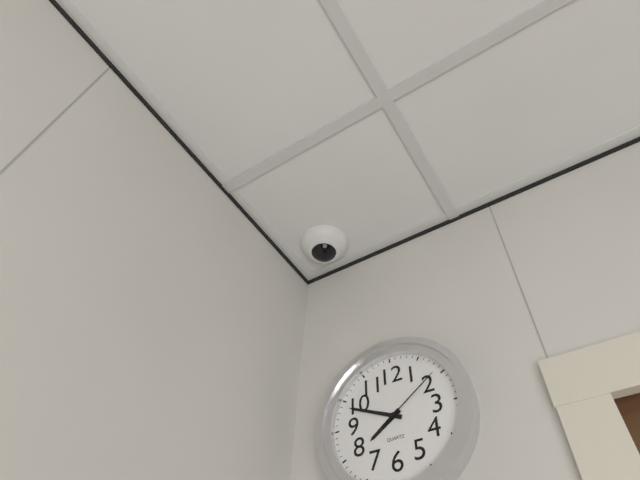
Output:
7,49,09
